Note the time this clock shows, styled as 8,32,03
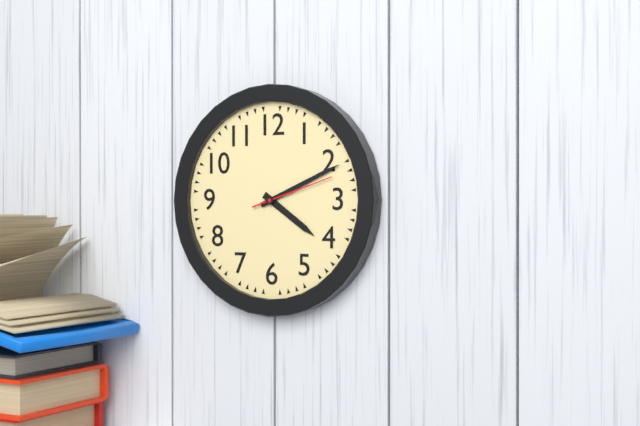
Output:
4,11,12
